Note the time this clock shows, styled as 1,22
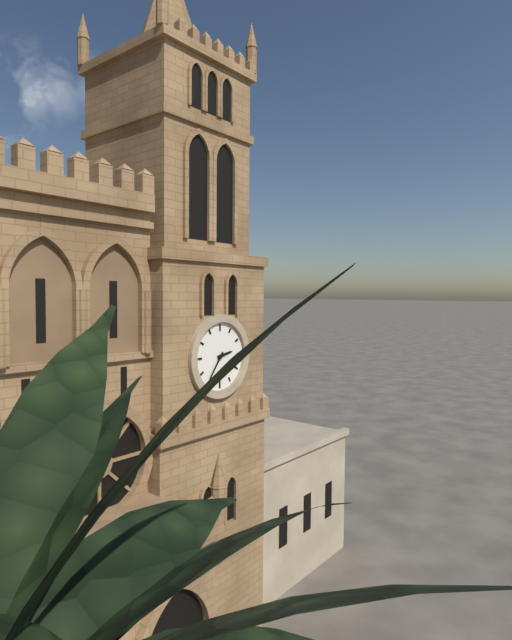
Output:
2,36
